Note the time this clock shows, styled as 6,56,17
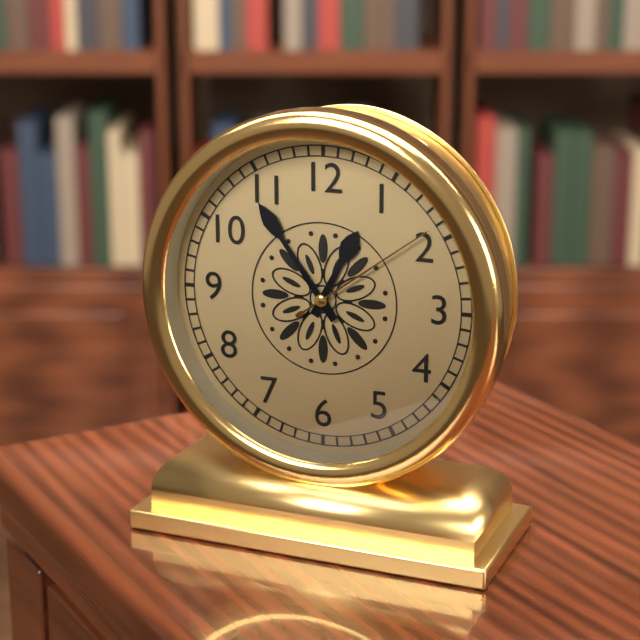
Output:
12,54,09
